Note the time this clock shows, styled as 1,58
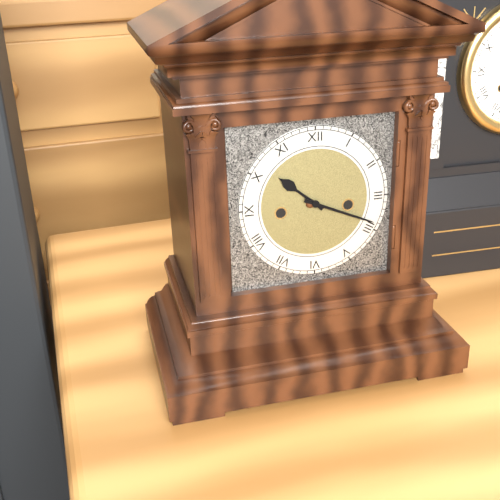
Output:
10,19
